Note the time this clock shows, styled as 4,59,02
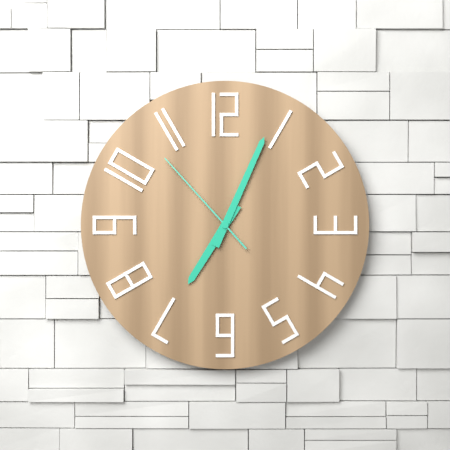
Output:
7,04,53
